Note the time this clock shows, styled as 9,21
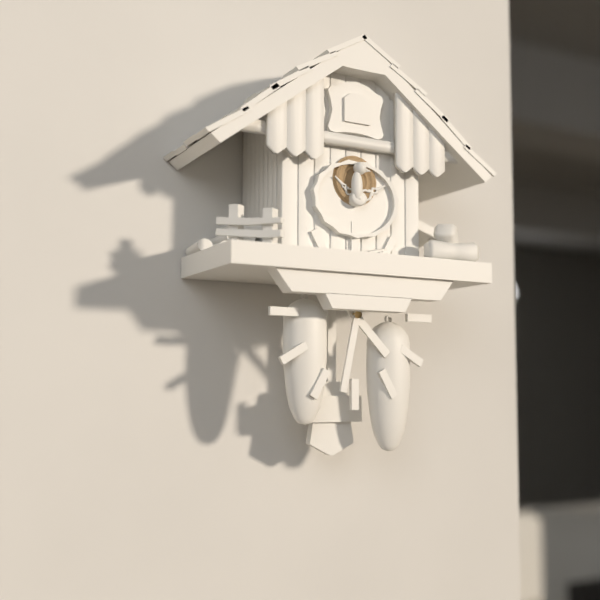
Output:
4,32
